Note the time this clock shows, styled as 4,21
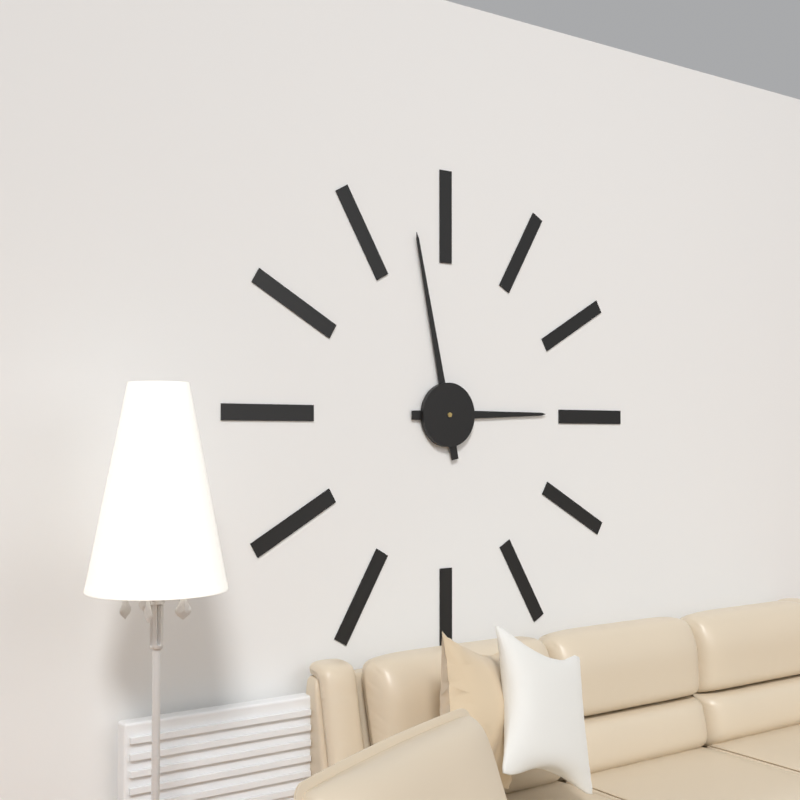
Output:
2,58
